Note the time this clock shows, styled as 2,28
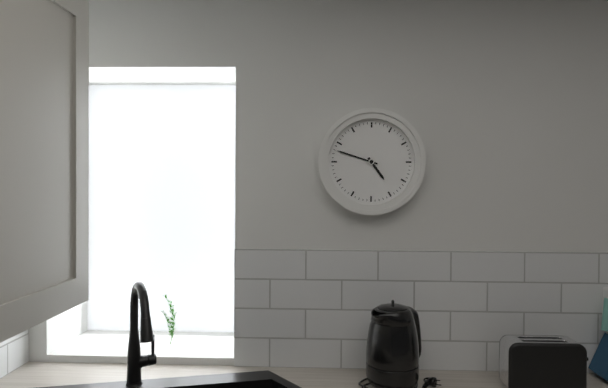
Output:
4,48
